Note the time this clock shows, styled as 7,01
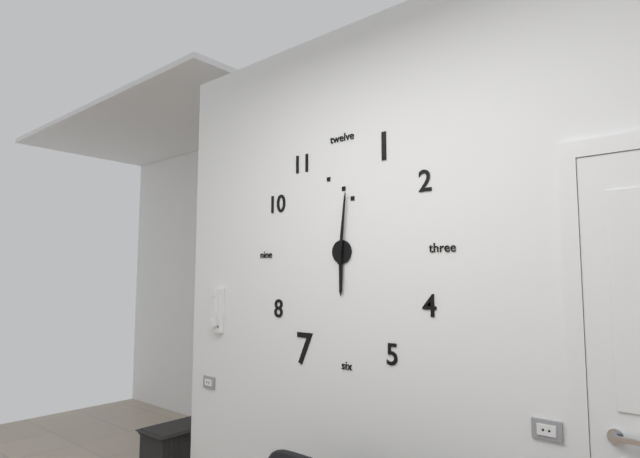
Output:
6,01
